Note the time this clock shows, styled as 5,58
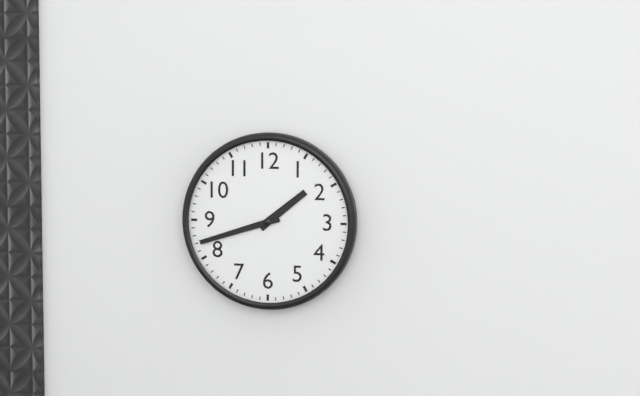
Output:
1,42
